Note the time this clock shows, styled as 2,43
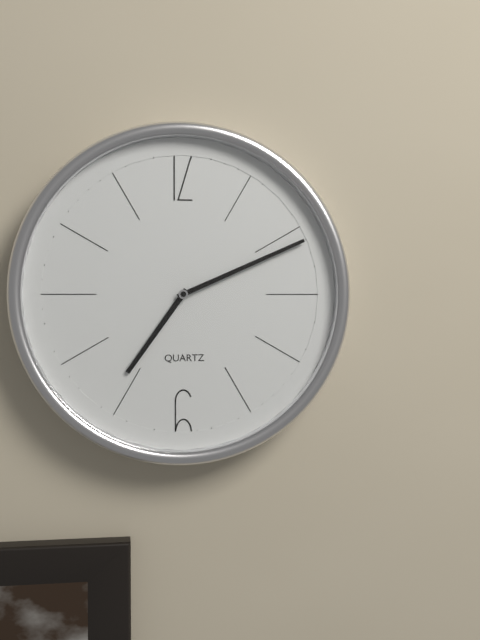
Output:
7,11
